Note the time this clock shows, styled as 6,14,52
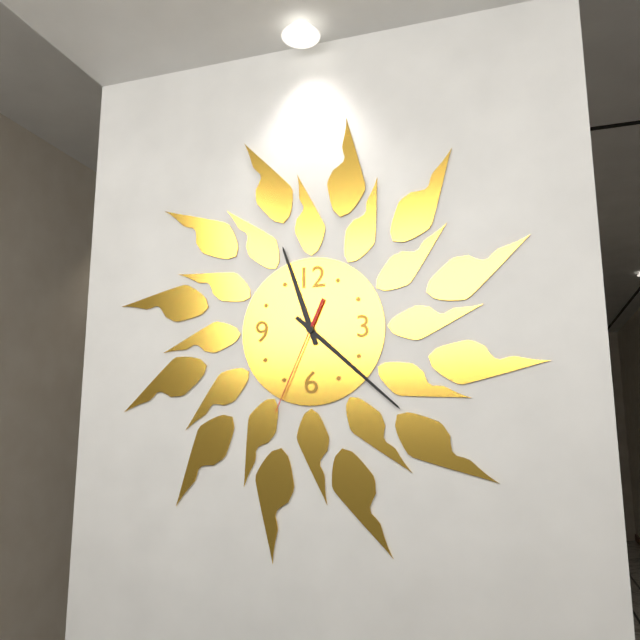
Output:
11,22,34
